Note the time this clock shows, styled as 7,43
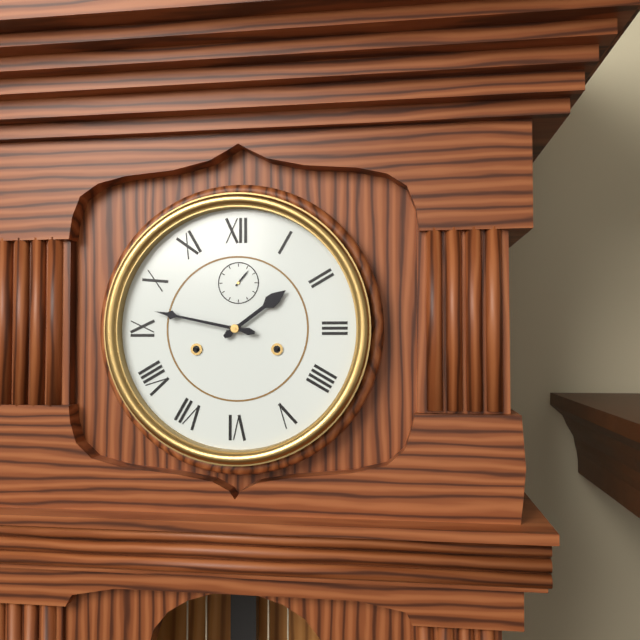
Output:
1,47
